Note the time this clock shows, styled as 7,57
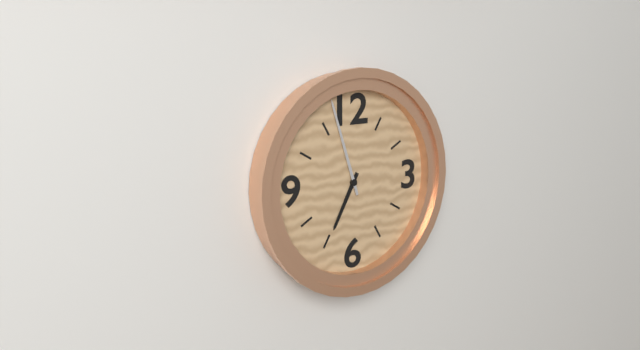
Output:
6,57
